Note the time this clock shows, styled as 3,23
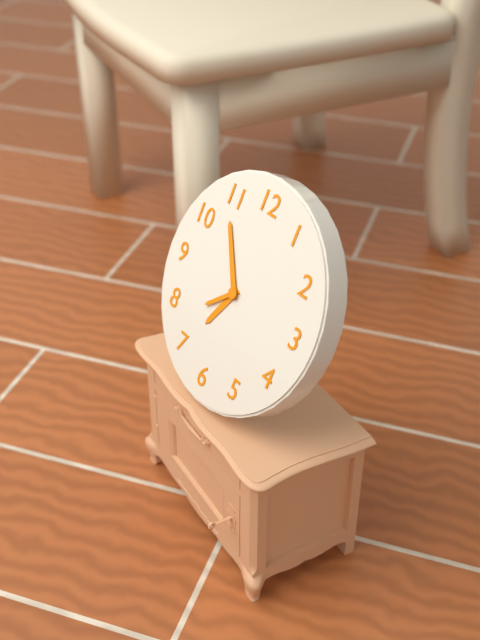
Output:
6,54
